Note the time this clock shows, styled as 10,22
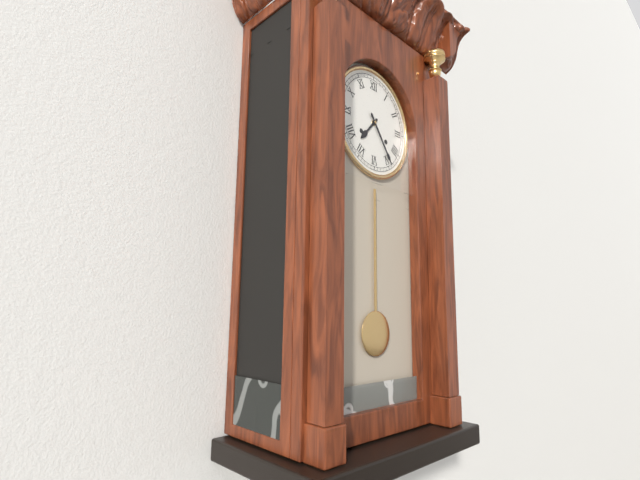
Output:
7,24
